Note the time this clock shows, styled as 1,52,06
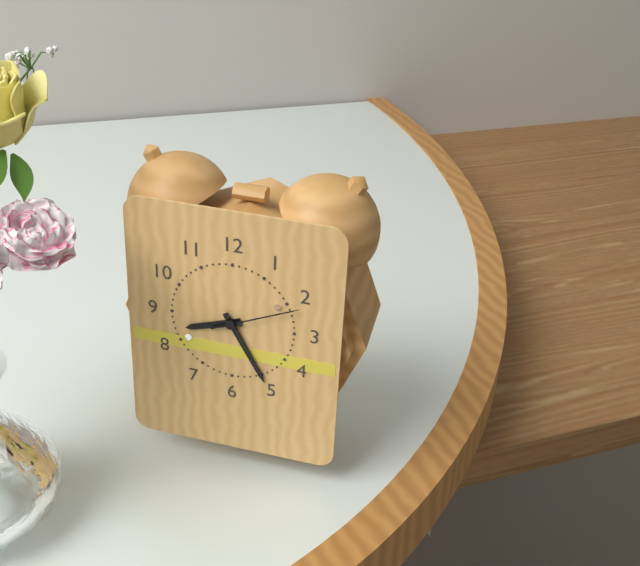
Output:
8,25,11
